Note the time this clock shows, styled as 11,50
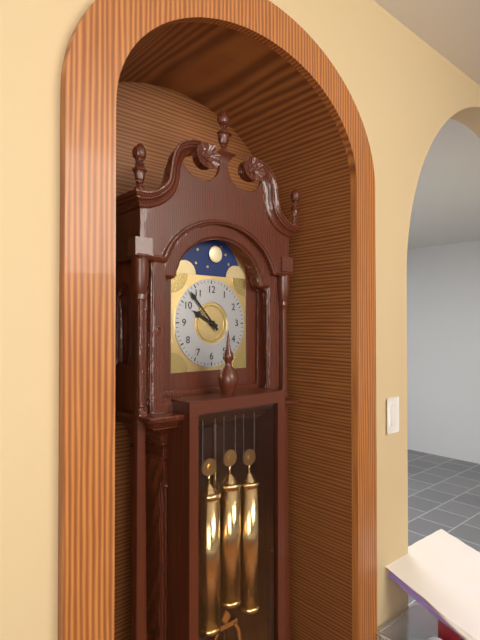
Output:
9,53
